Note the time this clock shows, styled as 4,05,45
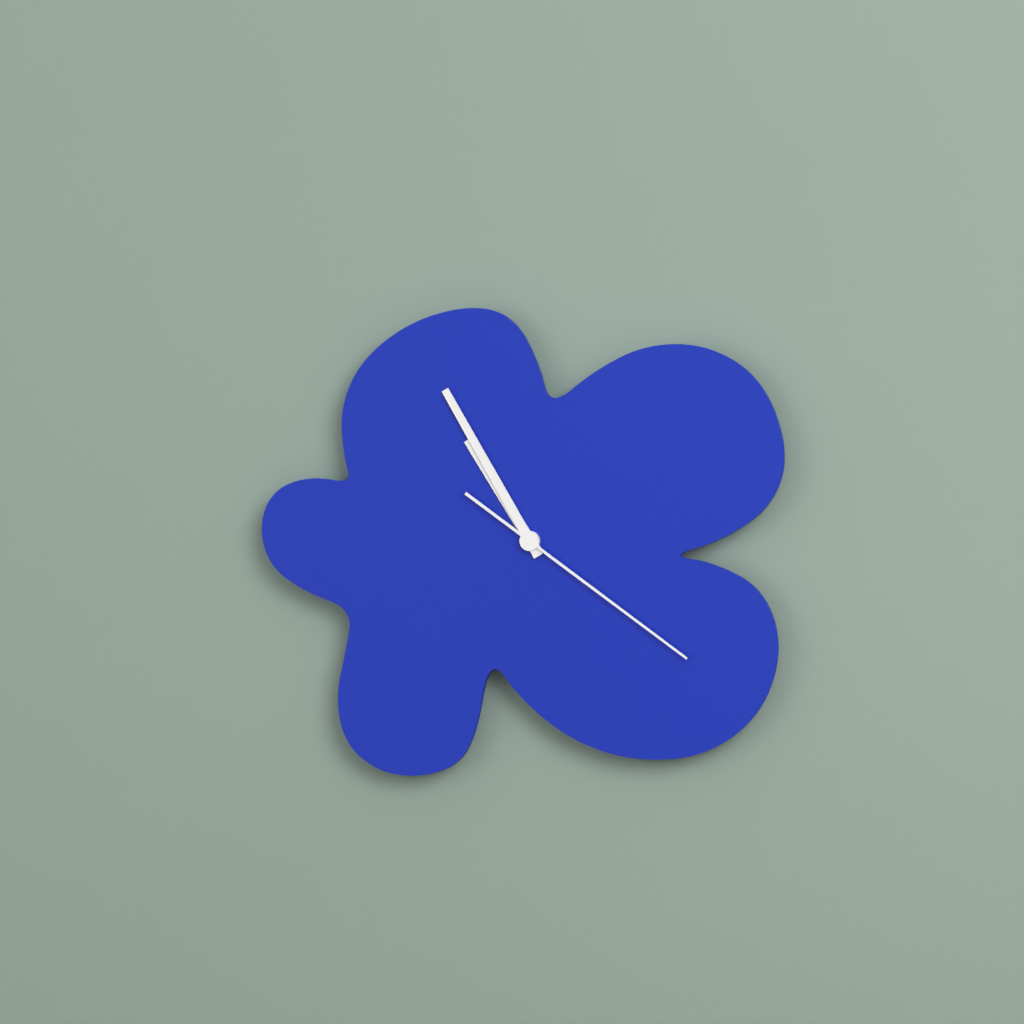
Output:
10,55,21
